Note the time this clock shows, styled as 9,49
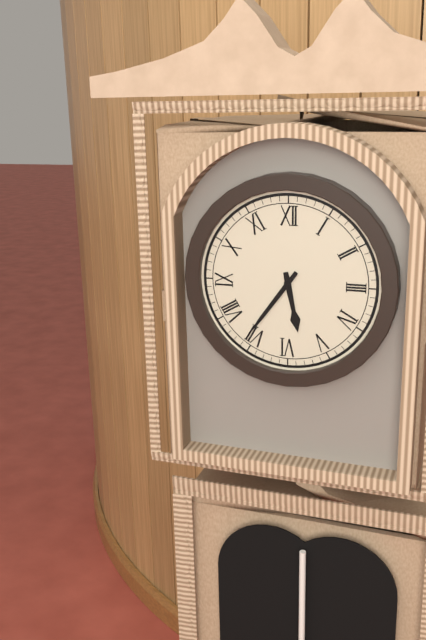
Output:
5,36
